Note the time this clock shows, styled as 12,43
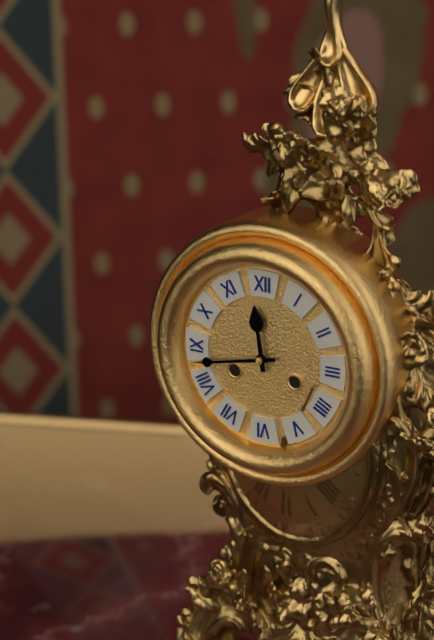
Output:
11,43
